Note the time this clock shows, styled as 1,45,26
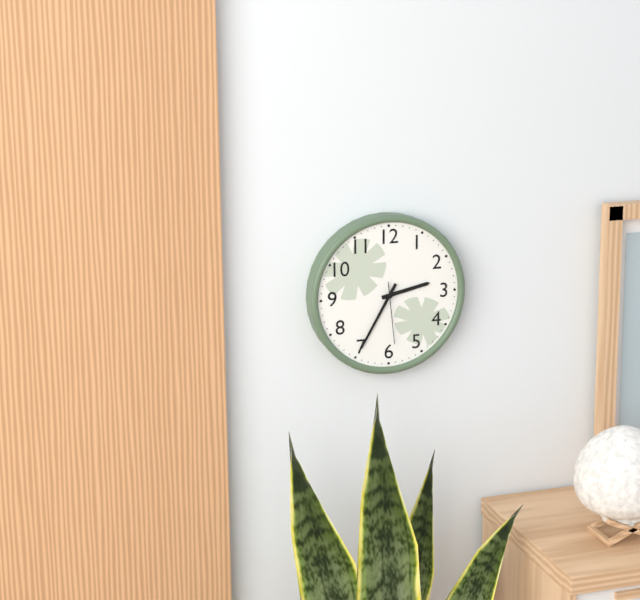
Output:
2,35,29
